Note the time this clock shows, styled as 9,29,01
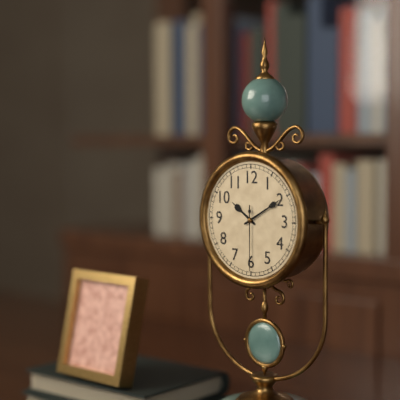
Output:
10,10,30
